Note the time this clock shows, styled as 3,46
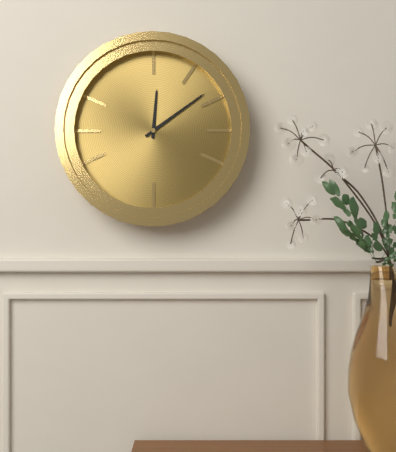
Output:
12,09
